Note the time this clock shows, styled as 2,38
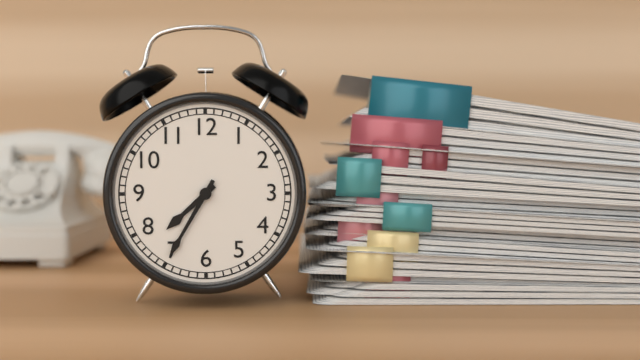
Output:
7,35
